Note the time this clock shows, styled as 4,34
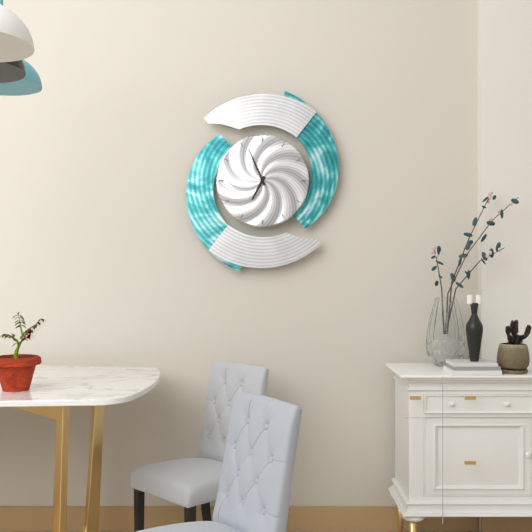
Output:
6,56
